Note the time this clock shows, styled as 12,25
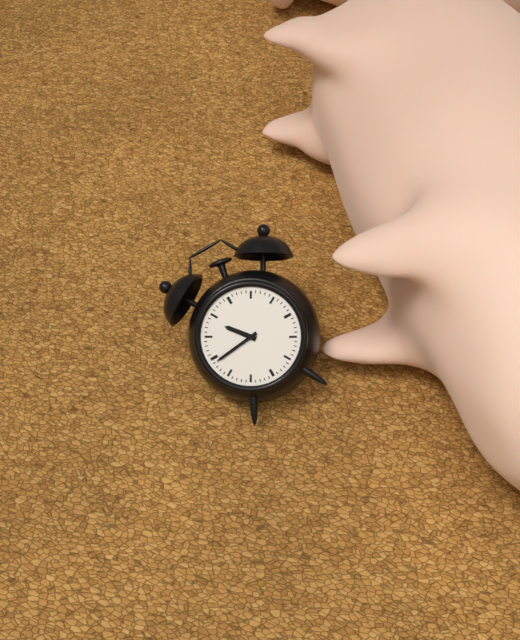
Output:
10,44
